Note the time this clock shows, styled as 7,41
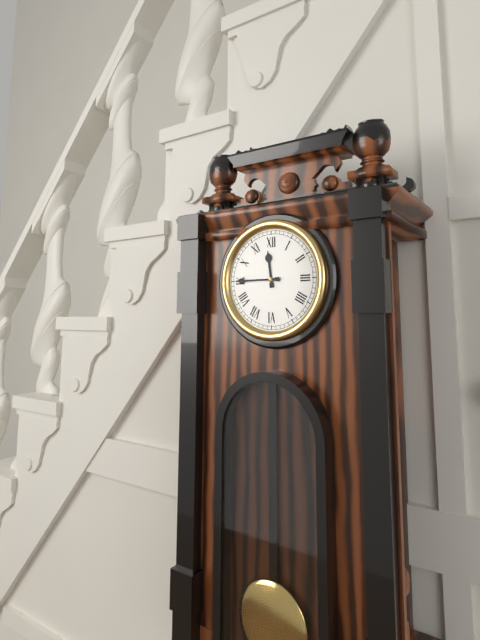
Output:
11,45
